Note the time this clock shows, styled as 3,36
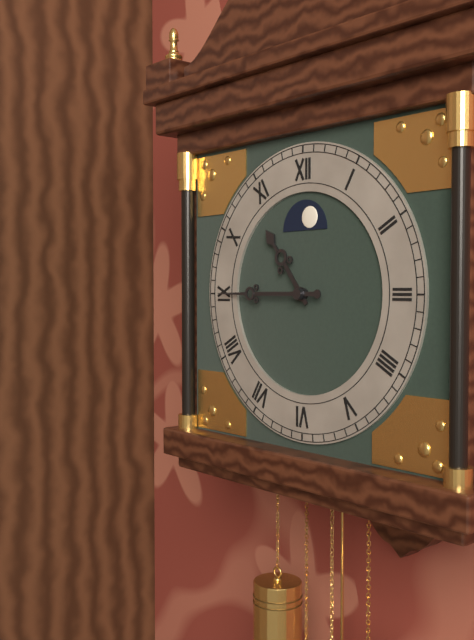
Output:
10,45
